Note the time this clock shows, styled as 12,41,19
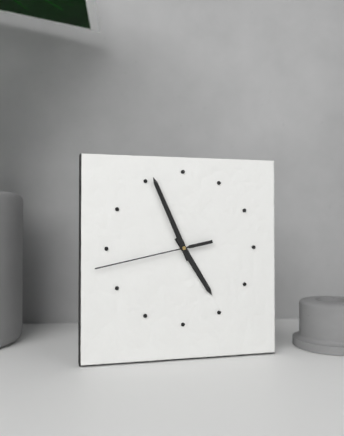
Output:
4,56,43
